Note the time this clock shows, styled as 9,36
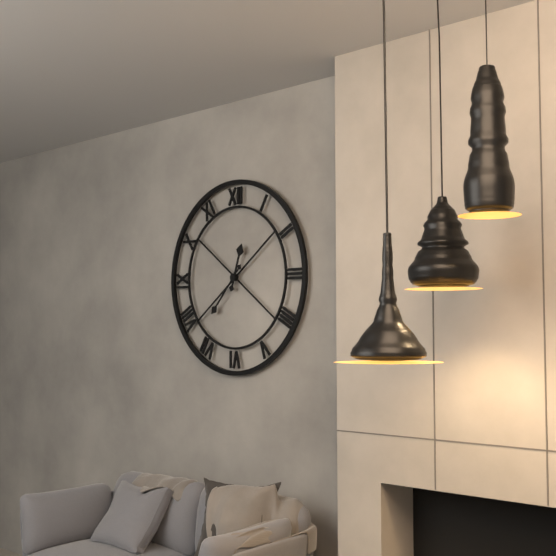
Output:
12,37
